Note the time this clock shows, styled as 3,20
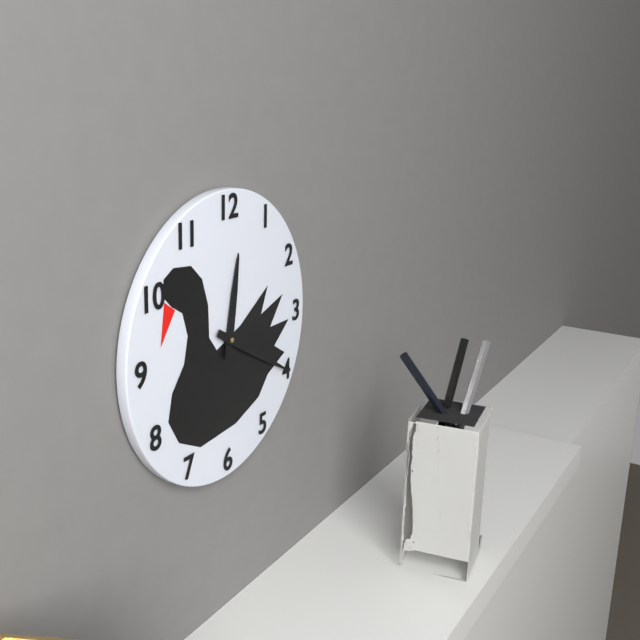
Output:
12,20
